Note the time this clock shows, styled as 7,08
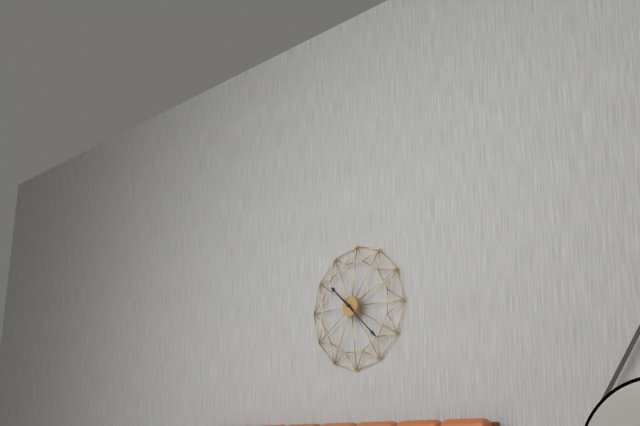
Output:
10,22
